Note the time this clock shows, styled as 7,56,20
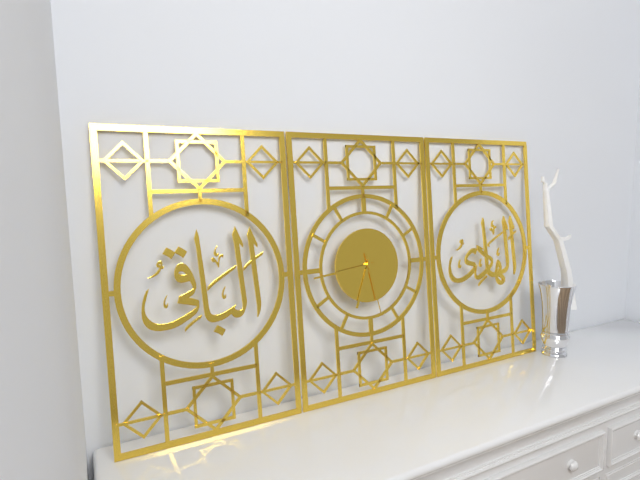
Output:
6,44,28
